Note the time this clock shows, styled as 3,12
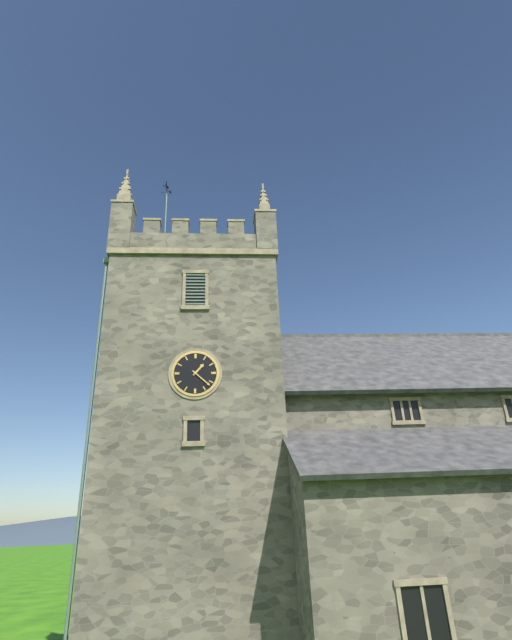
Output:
1,22
